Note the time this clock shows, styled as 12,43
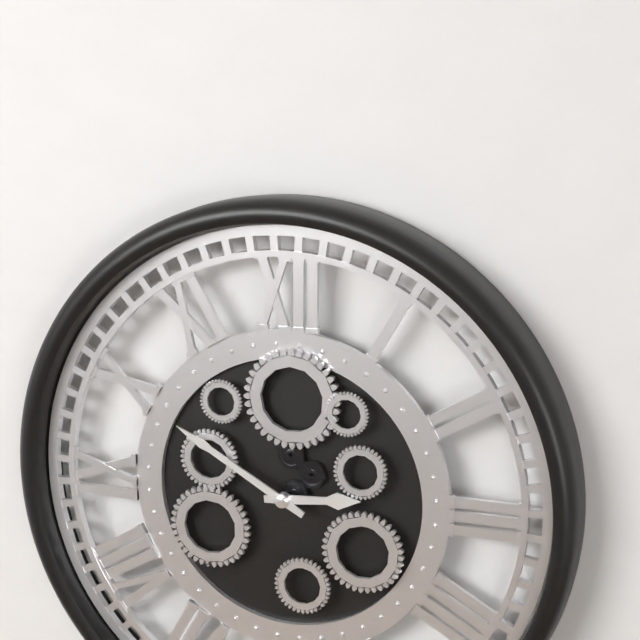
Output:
2,50
